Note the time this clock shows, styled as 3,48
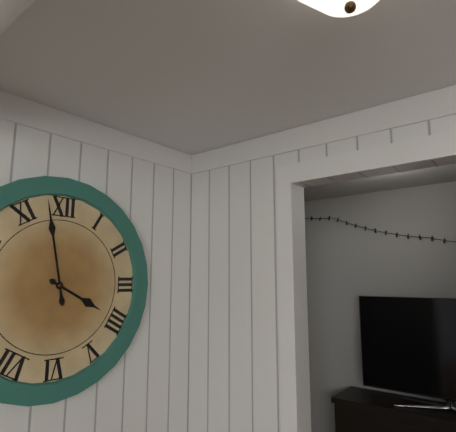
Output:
3,58
